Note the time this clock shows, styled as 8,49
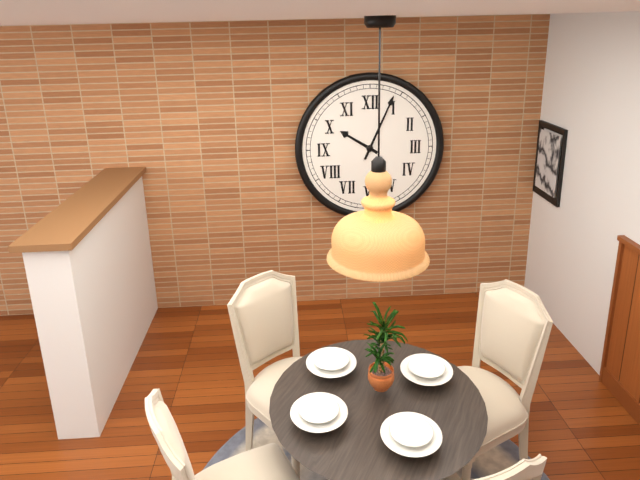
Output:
10,04
